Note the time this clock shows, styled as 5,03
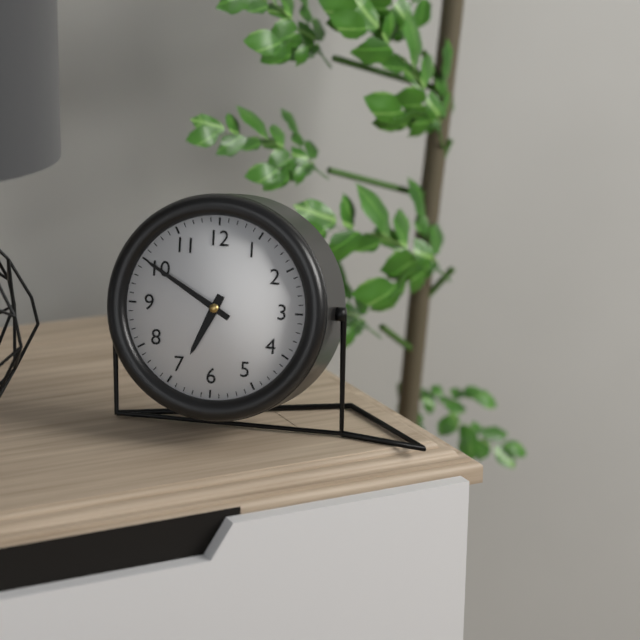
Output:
6,50
